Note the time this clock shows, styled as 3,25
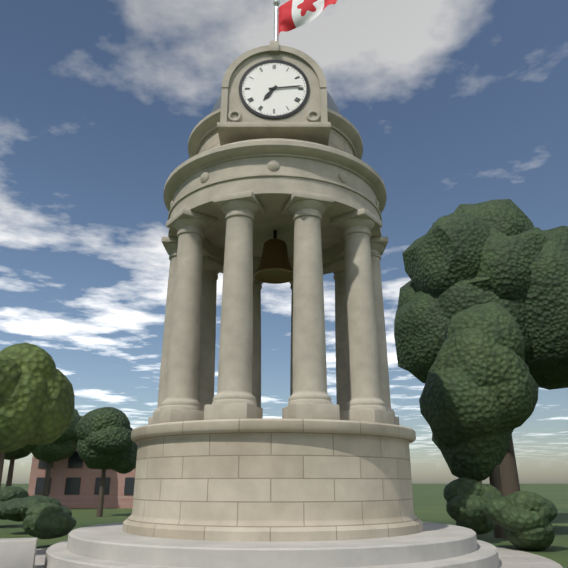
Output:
7,14
